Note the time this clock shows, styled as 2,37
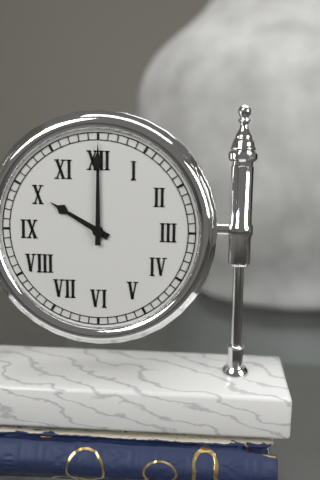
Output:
10,00
